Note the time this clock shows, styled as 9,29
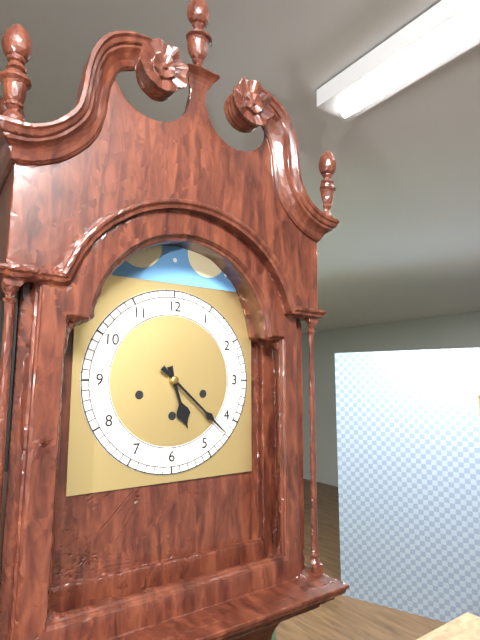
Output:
5,22
